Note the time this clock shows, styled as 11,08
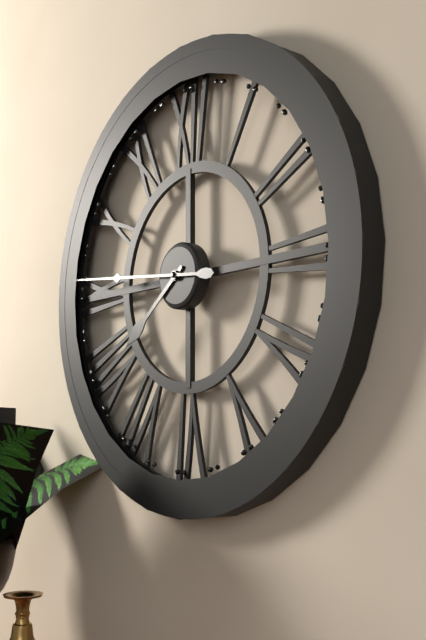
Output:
7,46
